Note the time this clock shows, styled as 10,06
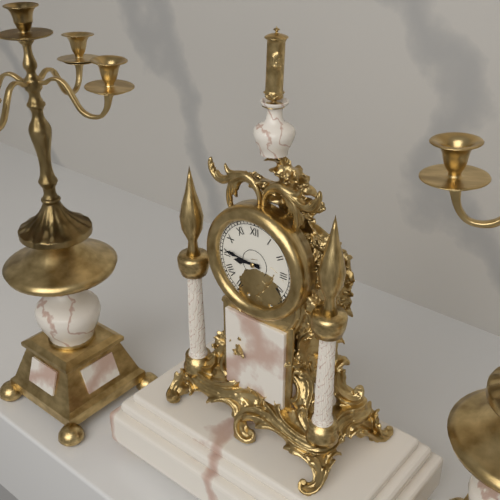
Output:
8,46
